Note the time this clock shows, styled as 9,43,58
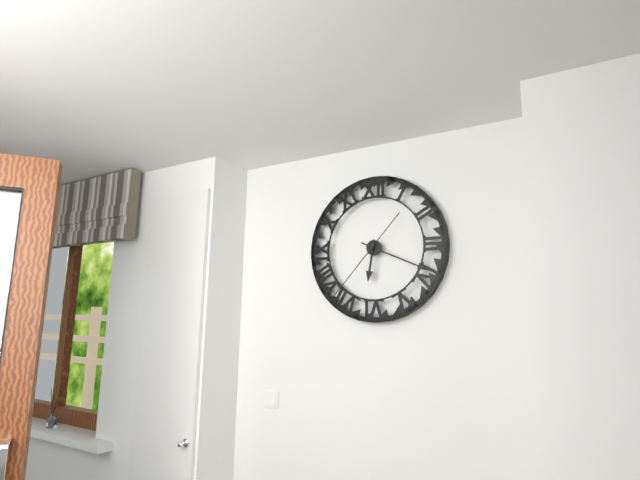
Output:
6,19,37
